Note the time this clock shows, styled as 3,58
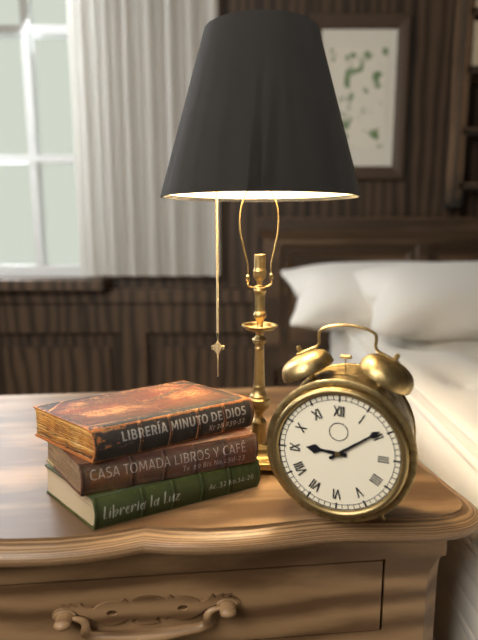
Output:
9,09
